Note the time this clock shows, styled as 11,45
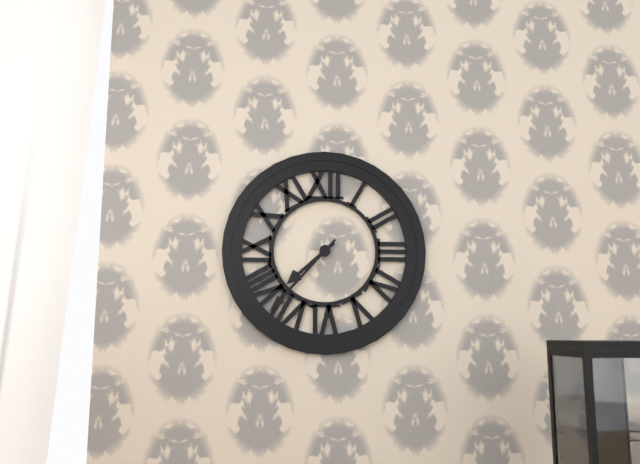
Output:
7,37
